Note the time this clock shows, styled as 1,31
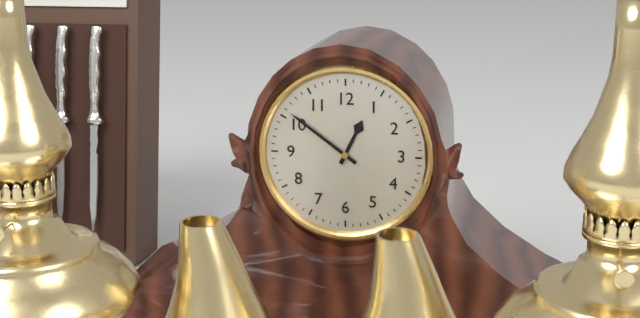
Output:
12,51
